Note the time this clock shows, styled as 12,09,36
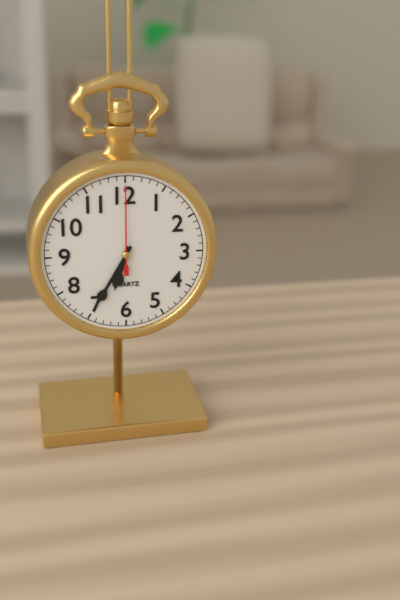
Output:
6,35,00
